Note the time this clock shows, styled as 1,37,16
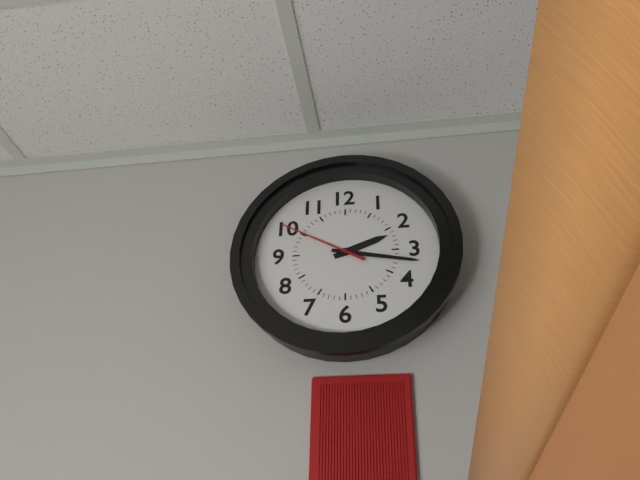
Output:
2,17,50
